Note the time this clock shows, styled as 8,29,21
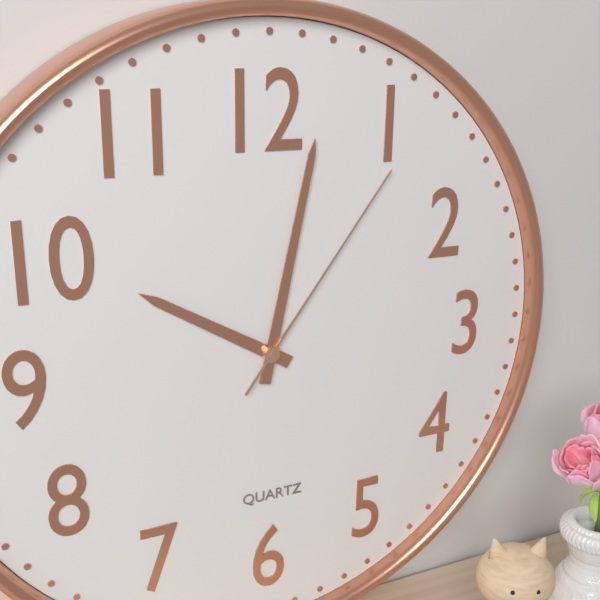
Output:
10,02,06
